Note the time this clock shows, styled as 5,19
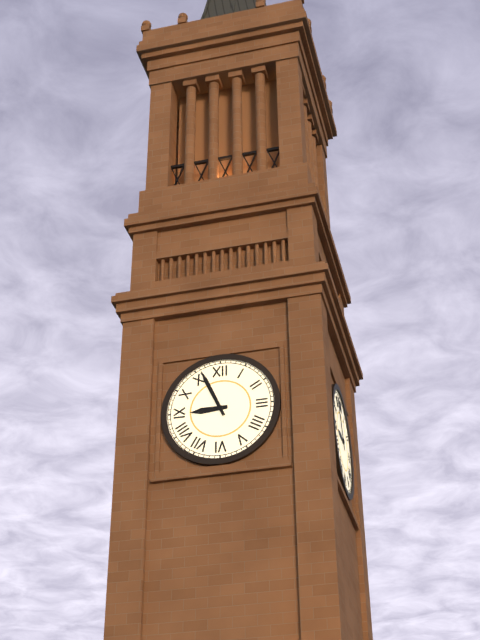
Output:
8,56
